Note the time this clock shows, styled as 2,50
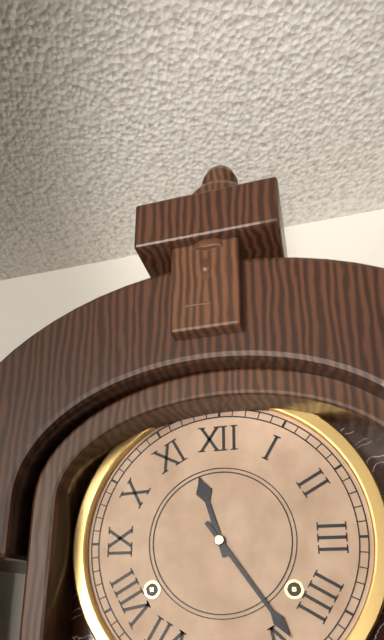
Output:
11,24
